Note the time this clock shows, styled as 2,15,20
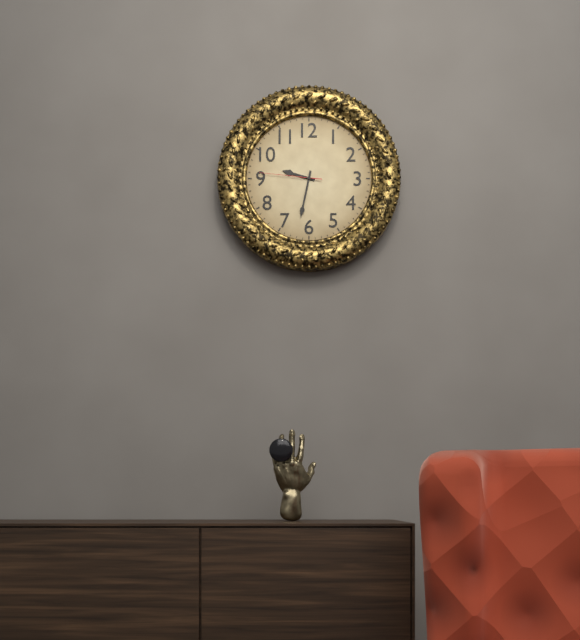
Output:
9,32,46
